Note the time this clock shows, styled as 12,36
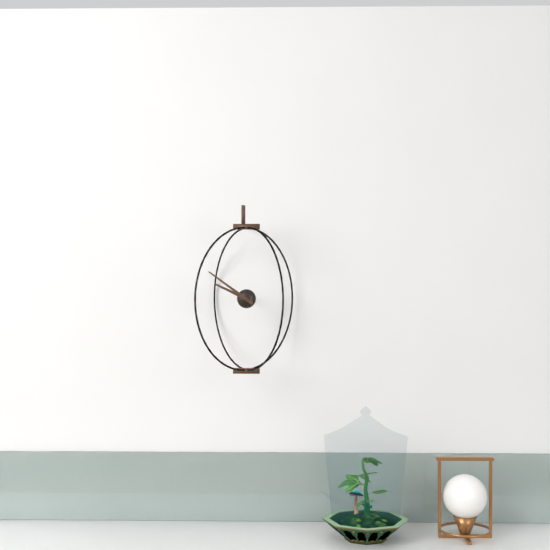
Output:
9,51
